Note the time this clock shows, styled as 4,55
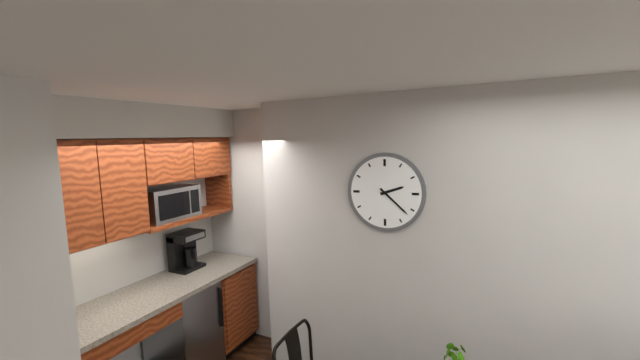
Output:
2,22
